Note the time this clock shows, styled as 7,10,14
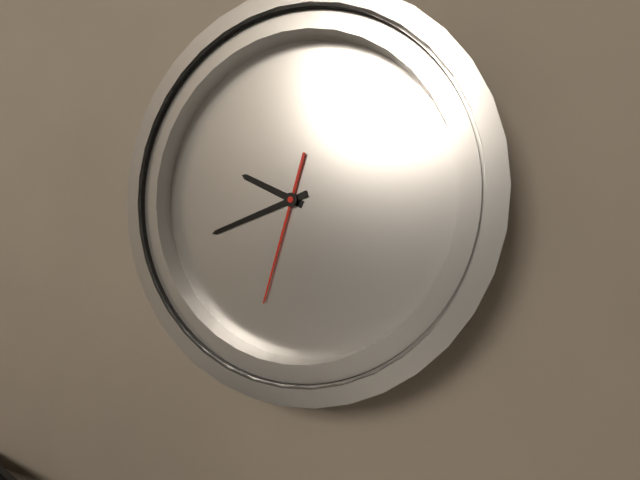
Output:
9,41,32
